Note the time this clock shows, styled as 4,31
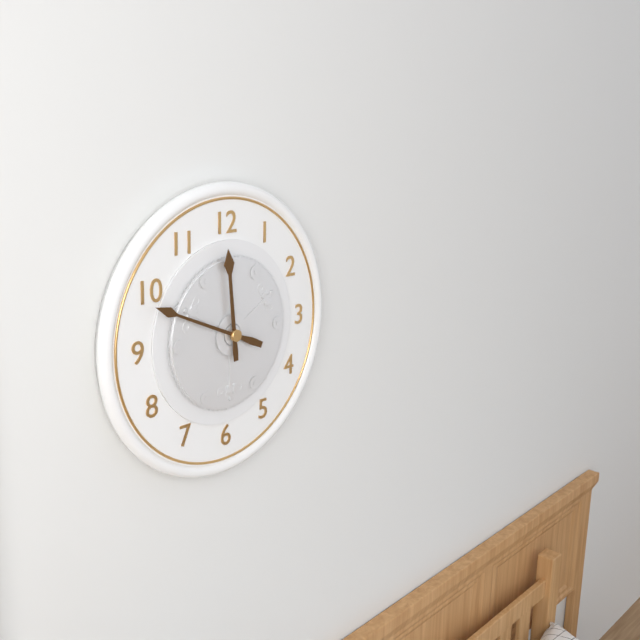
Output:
11,49
